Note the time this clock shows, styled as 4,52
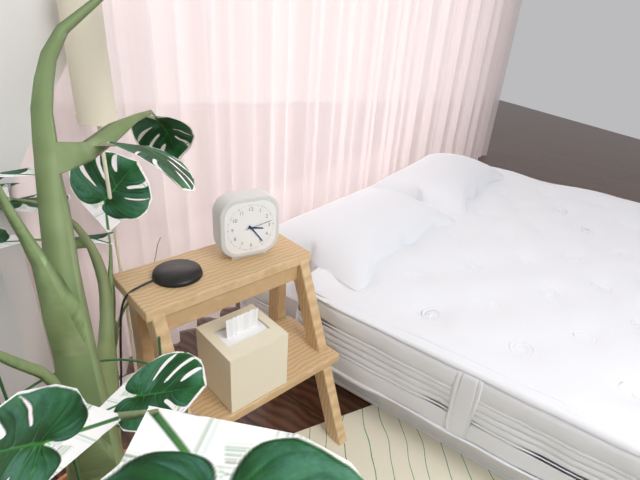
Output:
3,24
